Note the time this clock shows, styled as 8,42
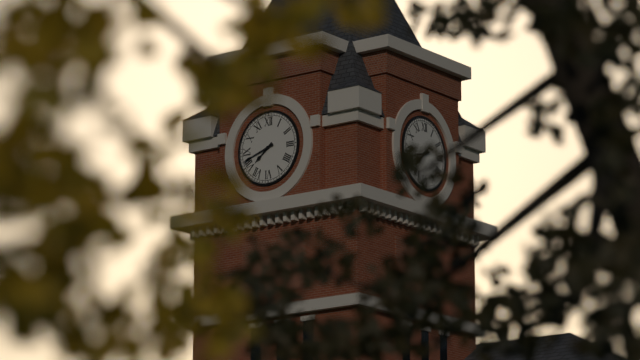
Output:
7,42
